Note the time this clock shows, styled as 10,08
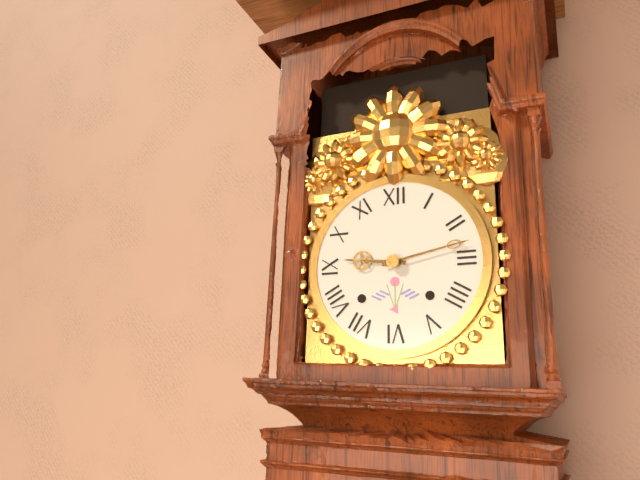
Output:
9,13
